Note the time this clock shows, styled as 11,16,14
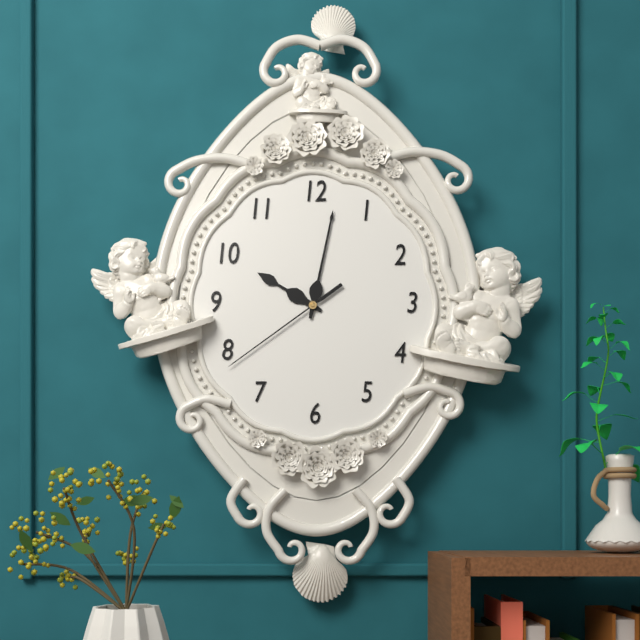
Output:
10,02,39
